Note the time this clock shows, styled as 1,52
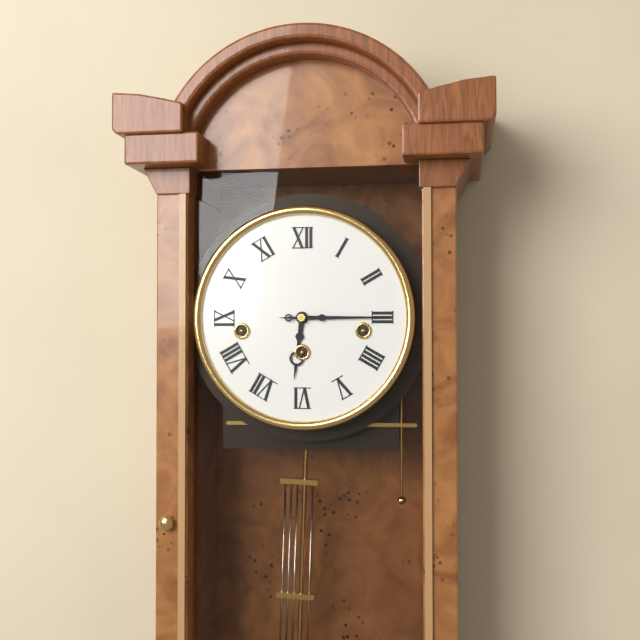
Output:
6,15
